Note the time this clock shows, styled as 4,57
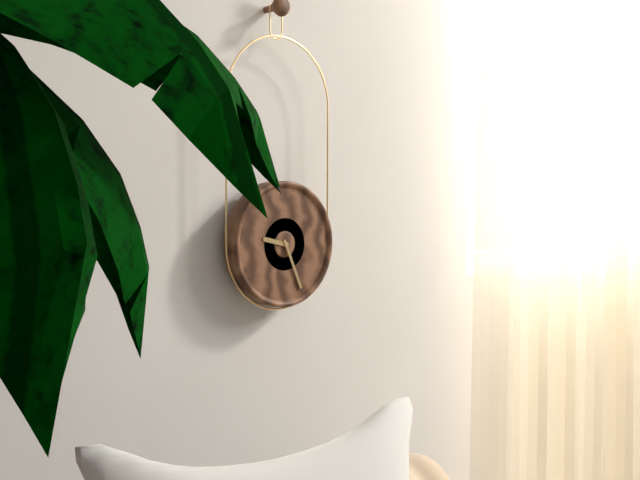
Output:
9,26
